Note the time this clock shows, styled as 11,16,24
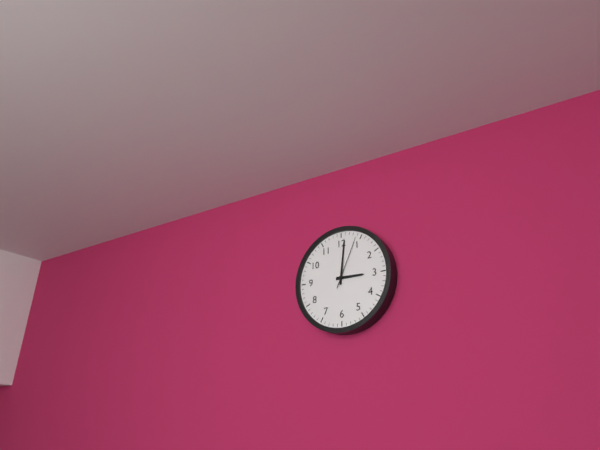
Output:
3,01,04
